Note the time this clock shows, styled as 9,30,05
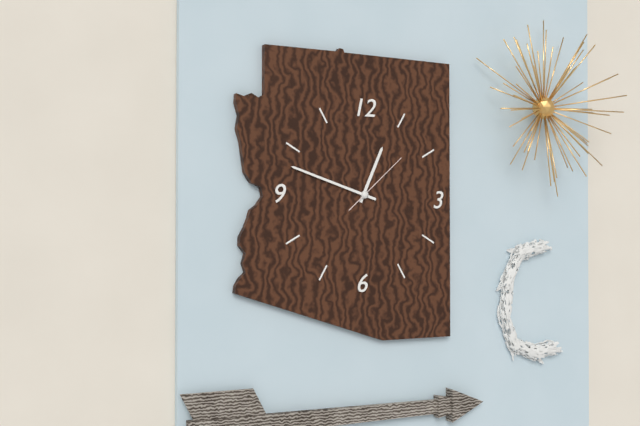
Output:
12,48,08
